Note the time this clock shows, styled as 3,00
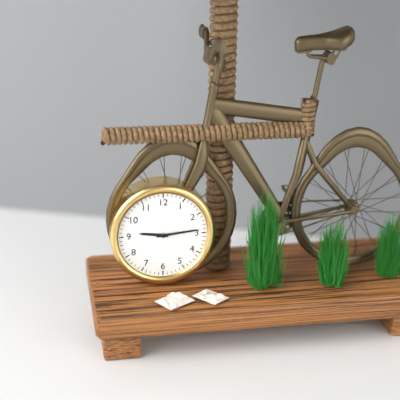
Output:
9,14
